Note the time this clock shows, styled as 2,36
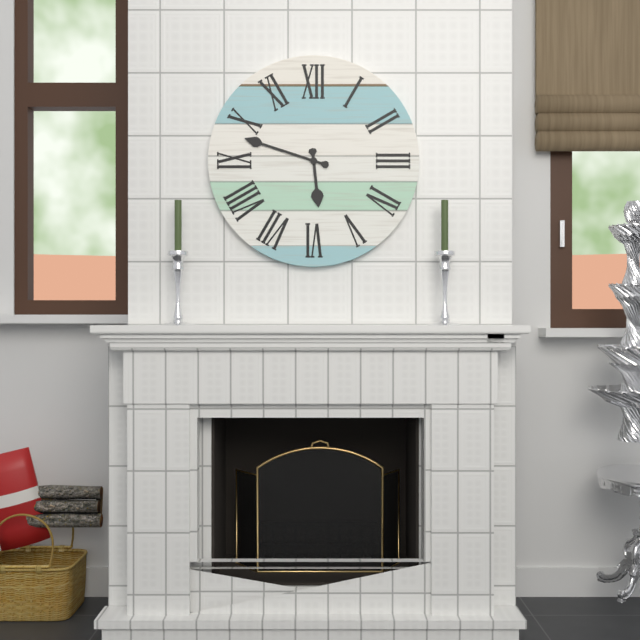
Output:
5,48
